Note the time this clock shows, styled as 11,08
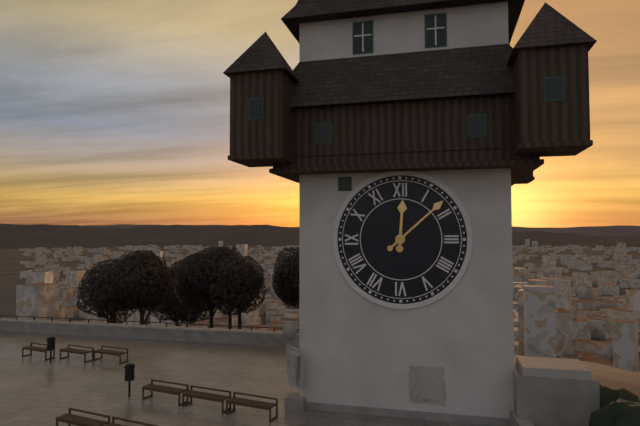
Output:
12,08
